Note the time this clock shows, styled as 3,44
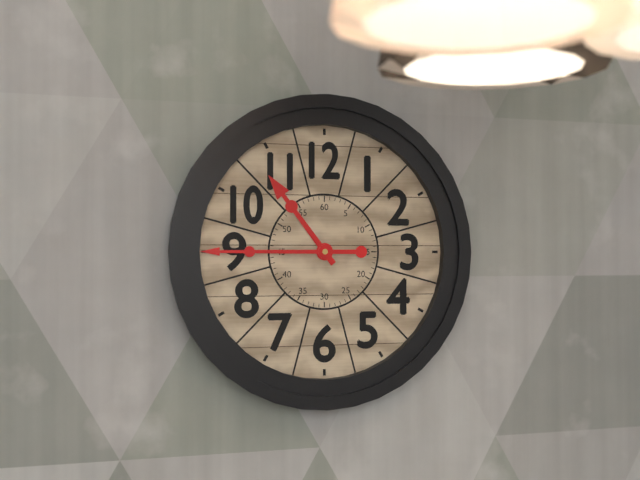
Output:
10,45
